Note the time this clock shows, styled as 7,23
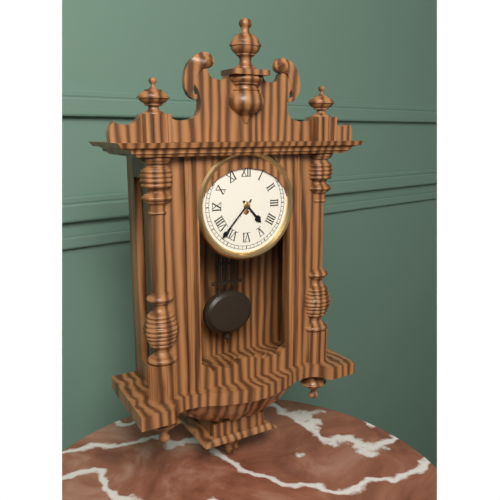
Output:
4,37
